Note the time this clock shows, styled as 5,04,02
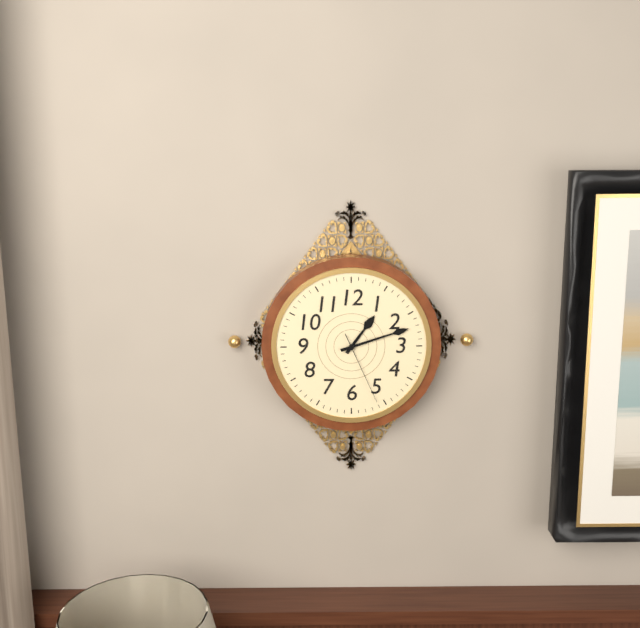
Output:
1,12,26
